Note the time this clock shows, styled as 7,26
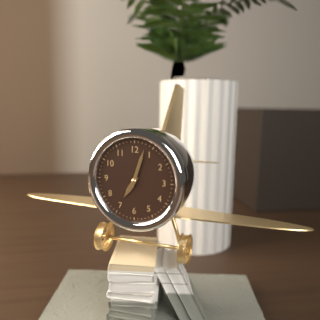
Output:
7,03
